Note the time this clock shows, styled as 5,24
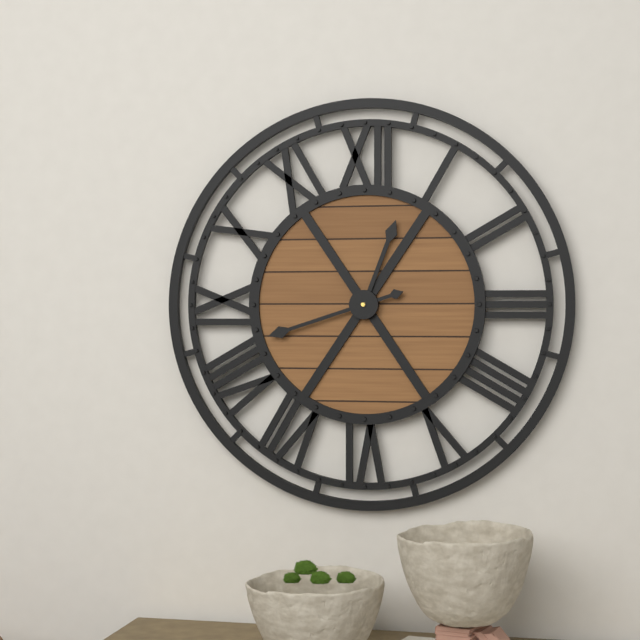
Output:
12,42
